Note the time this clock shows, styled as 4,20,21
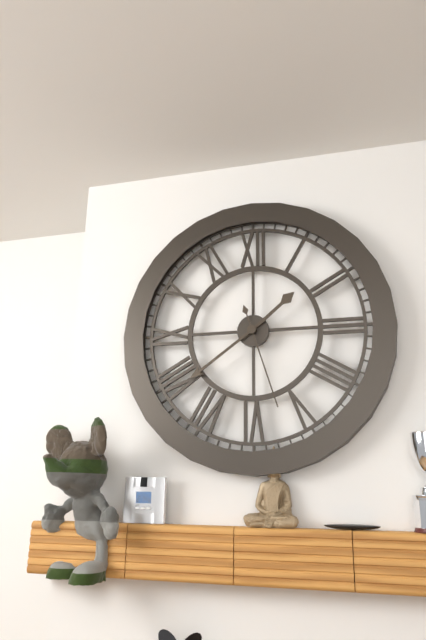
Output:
1,39,27
